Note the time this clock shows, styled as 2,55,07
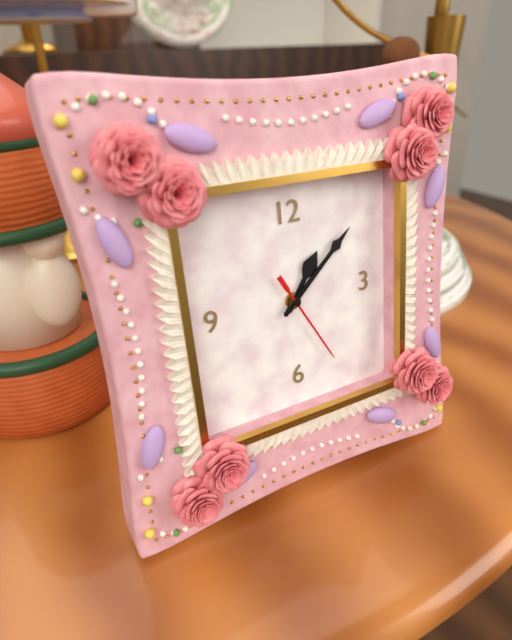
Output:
1,08,25
